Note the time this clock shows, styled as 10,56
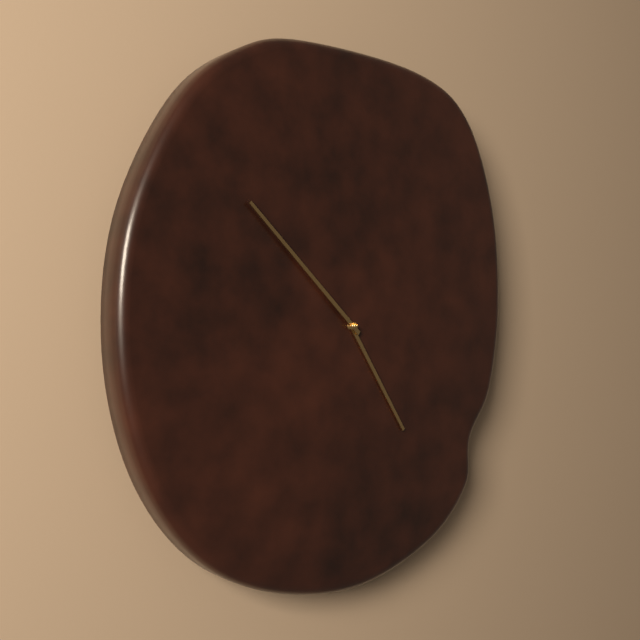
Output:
4,52
